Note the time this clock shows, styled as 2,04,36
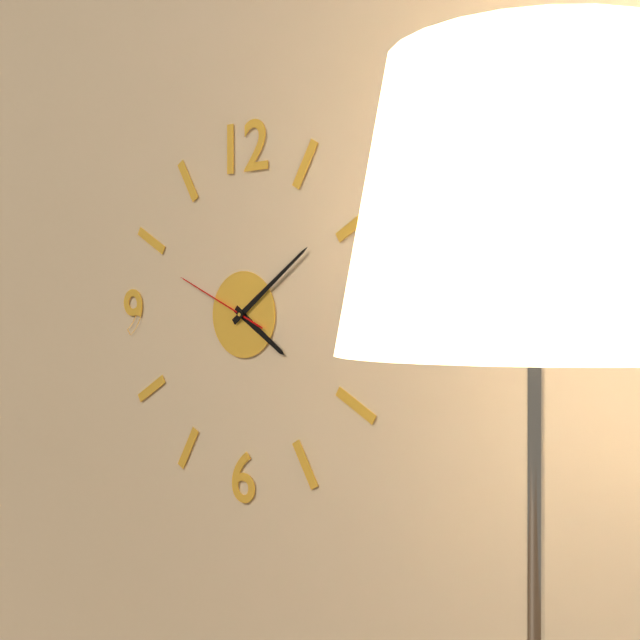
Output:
4,09,49
